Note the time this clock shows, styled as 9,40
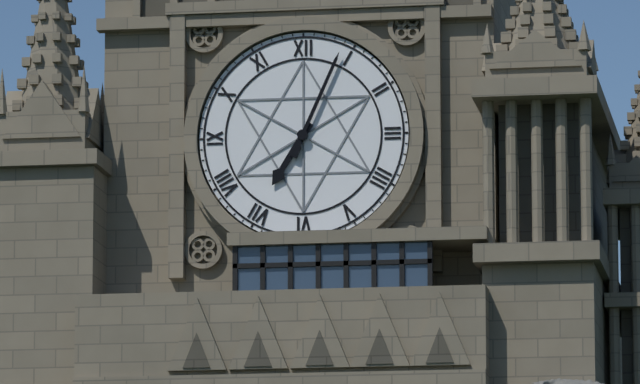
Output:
7,04
